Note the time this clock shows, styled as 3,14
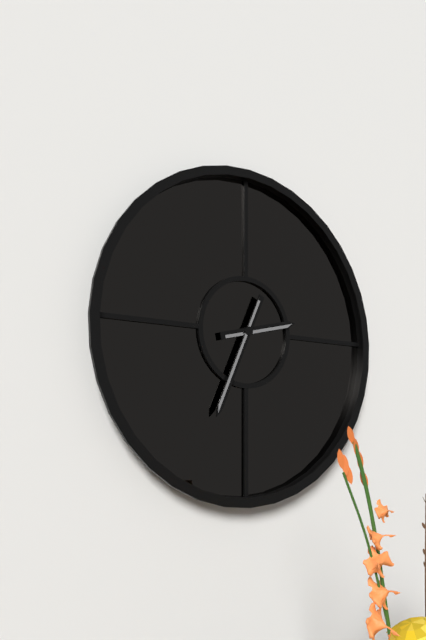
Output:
2,34
